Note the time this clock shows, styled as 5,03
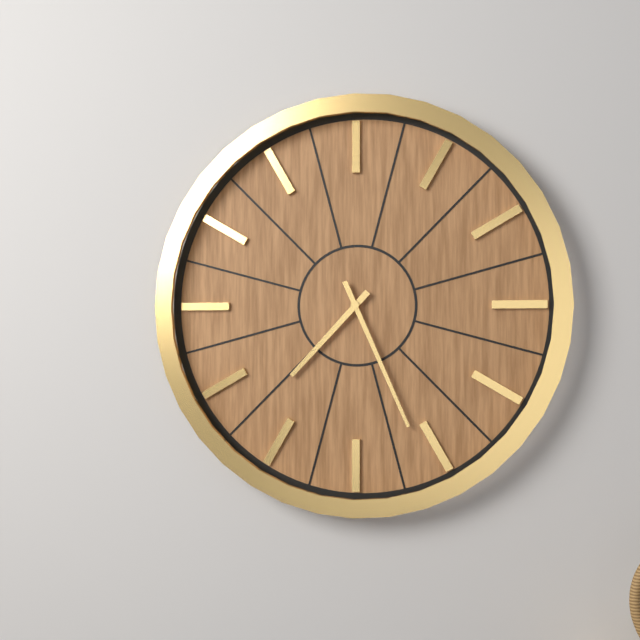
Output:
7,26
